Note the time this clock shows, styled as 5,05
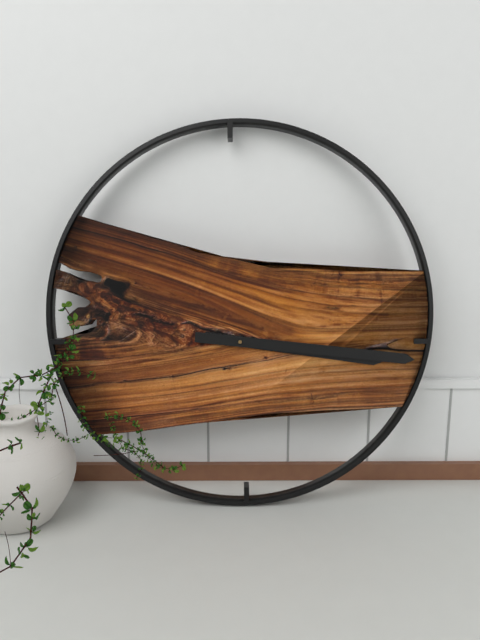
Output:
3,16
